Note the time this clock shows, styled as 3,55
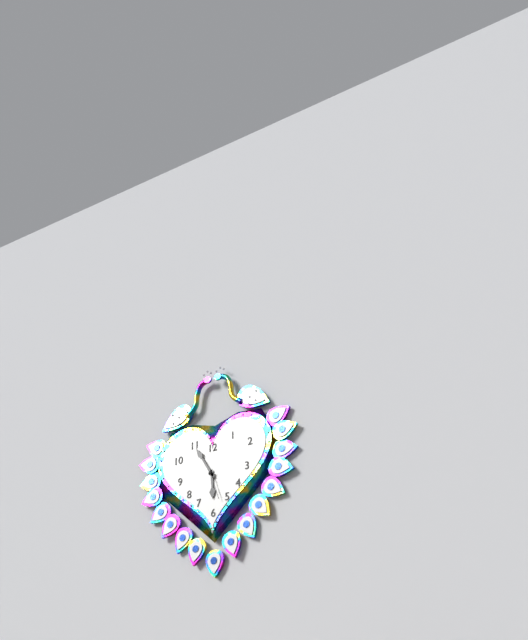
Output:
5,55
